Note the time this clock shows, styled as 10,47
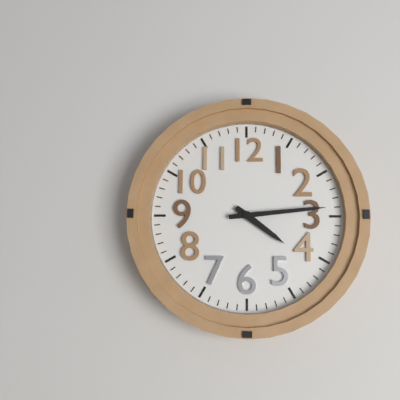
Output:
4,14
